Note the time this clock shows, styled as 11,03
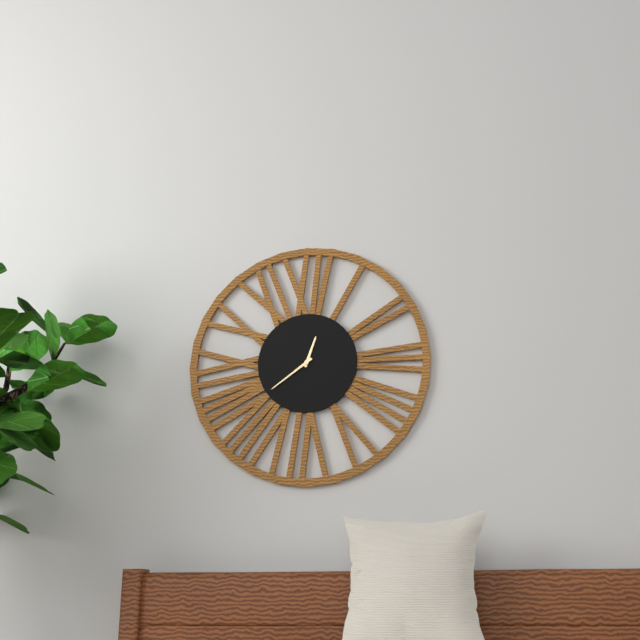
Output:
12,39
